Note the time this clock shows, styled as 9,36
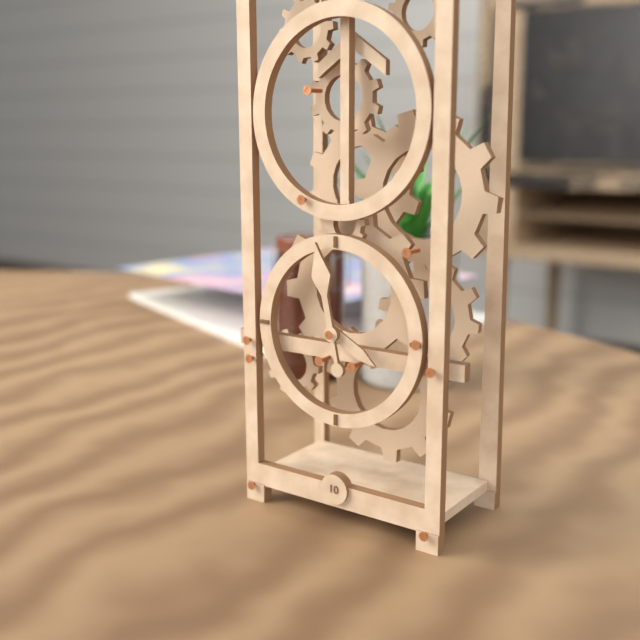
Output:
3,58
